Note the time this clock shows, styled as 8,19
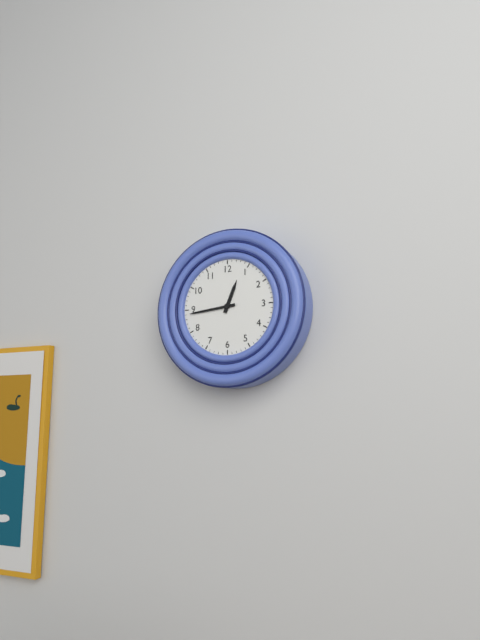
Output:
12,44
